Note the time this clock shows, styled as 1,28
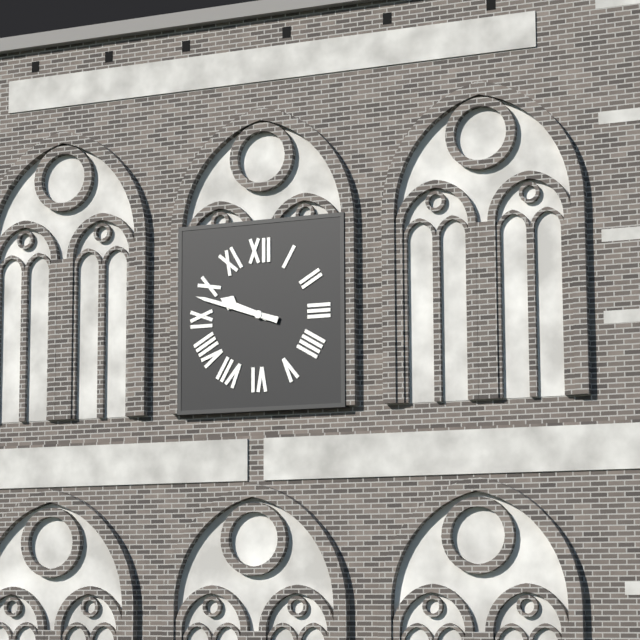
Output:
9,48
